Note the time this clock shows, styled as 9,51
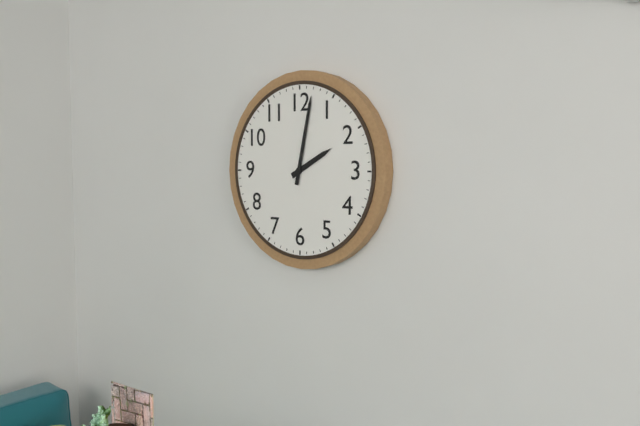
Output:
2,02
